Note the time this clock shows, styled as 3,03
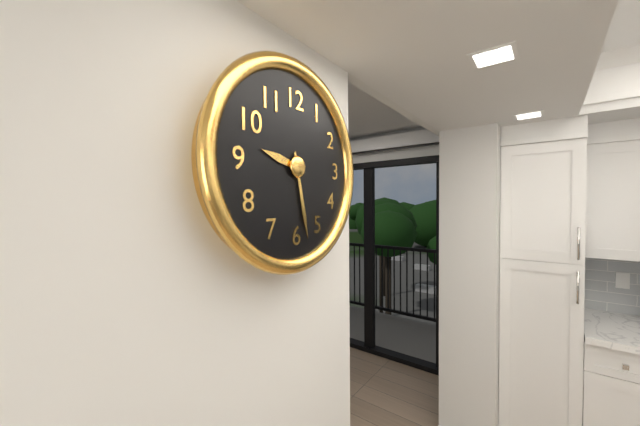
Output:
9,28
